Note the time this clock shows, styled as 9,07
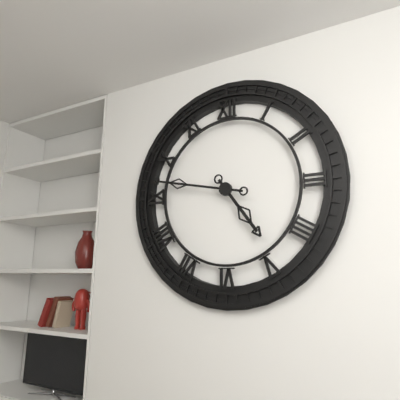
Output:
4,47
